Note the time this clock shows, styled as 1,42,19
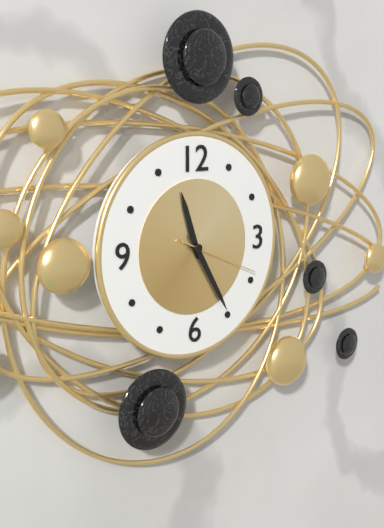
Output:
11,25,19
